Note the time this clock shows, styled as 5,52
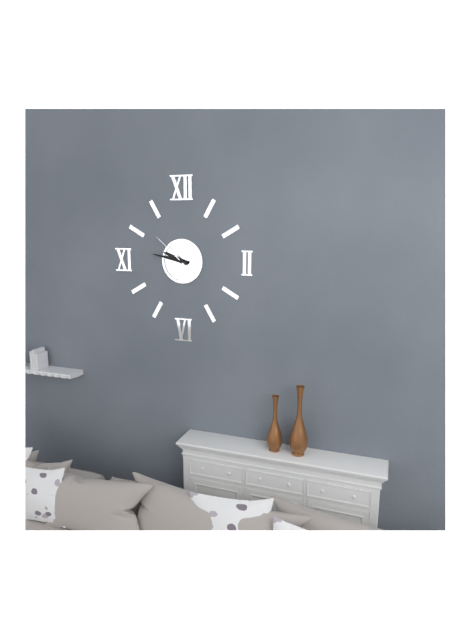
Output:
9,47
